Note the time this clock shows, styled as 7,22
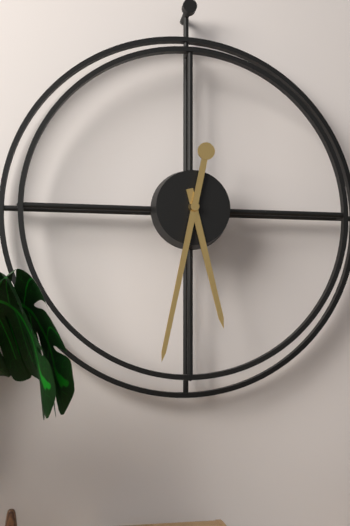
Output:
5,32
